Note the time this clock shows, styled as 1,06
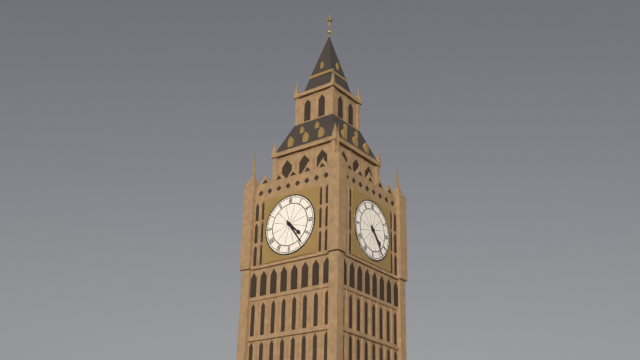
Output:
4,24
